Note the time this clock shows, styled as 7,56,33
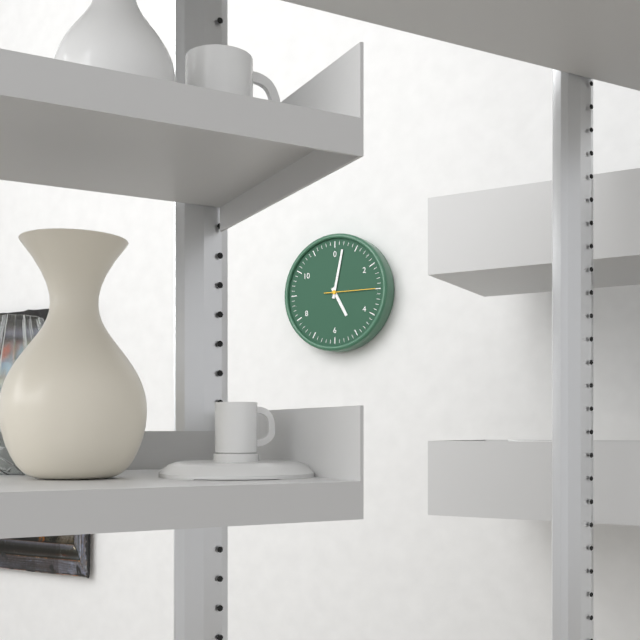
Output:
5,02,15
